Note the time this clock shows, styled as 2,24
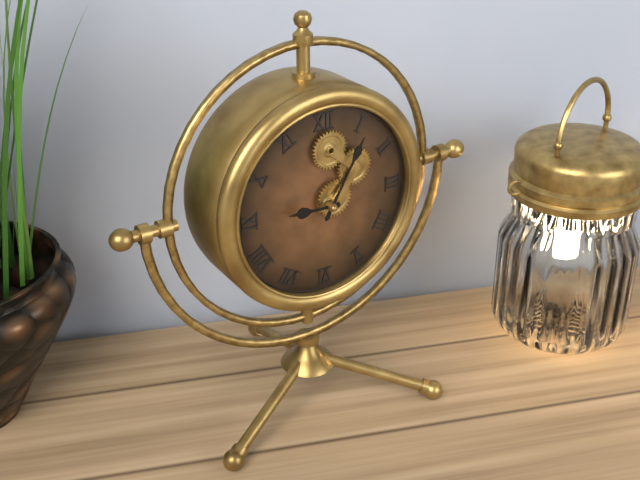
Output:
9,05
